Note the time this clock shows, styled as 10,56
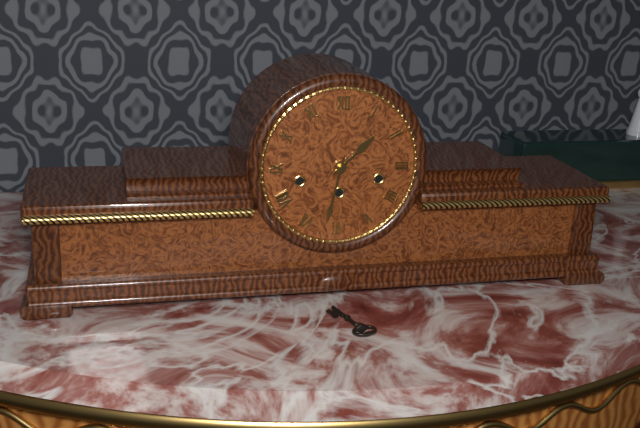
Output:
1,32
